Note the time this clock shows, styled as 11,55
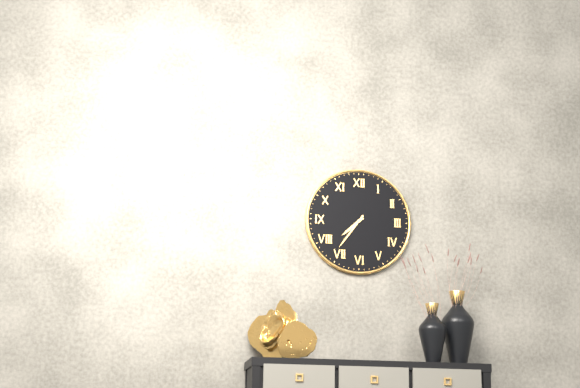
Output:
7,36
